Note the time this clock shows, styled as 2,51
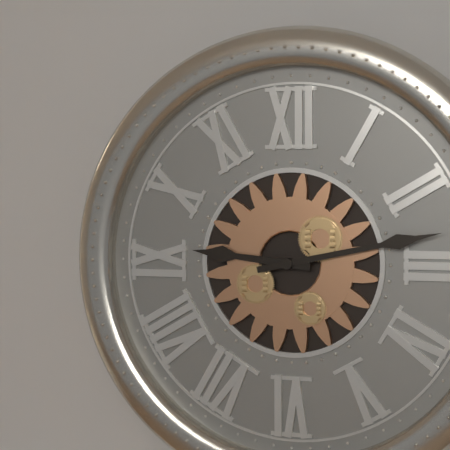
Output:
9,13
